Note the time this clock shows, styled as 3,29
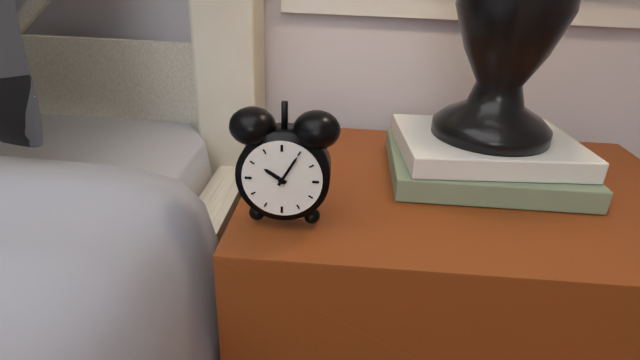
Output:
10,05
